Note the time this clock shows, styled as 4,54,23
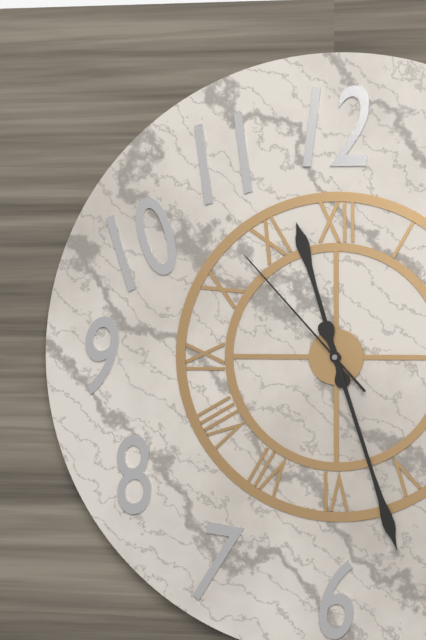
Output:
11,27,53
